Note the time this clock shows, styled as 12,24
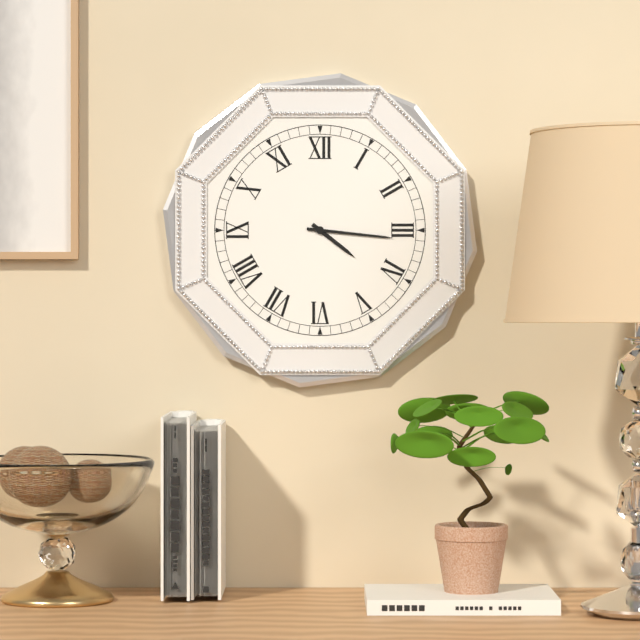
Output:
4,16
